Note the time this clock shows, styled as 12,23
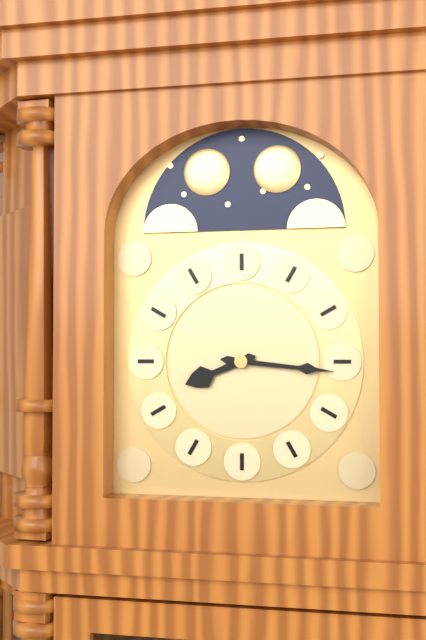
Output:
8,16
